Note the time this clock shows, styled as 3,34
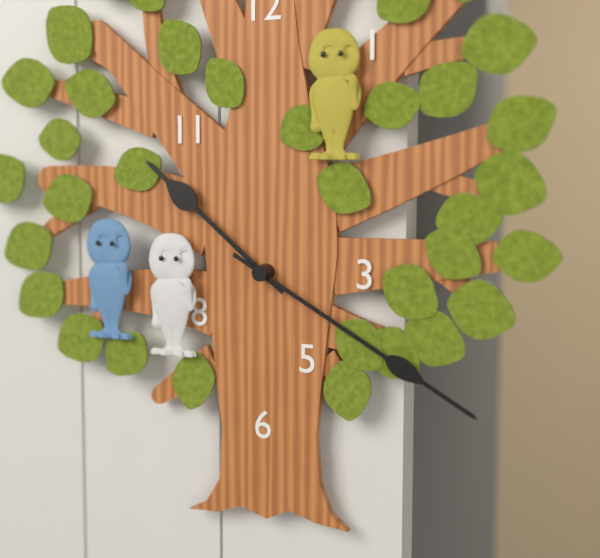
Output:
10,20
